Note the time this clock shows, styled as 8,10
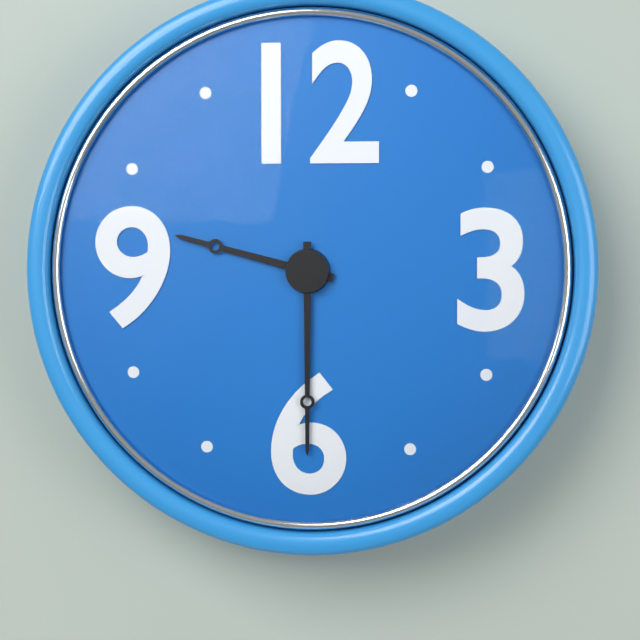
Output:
9,30
